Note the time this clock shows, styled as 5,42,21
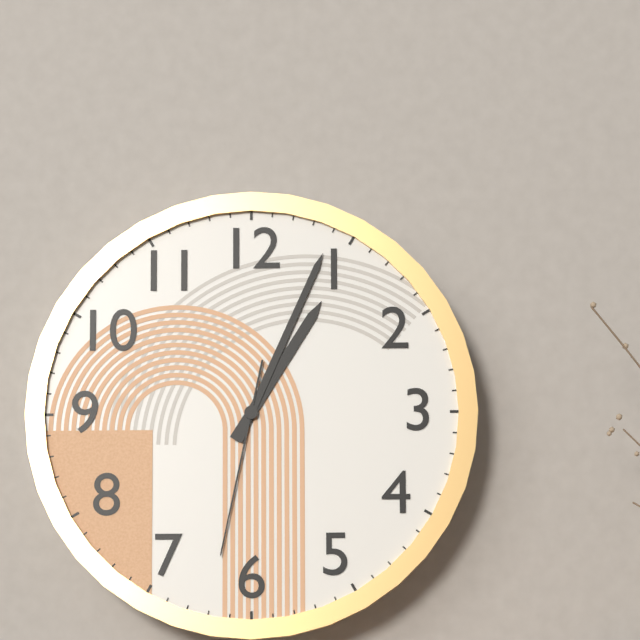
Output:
1,04,32
